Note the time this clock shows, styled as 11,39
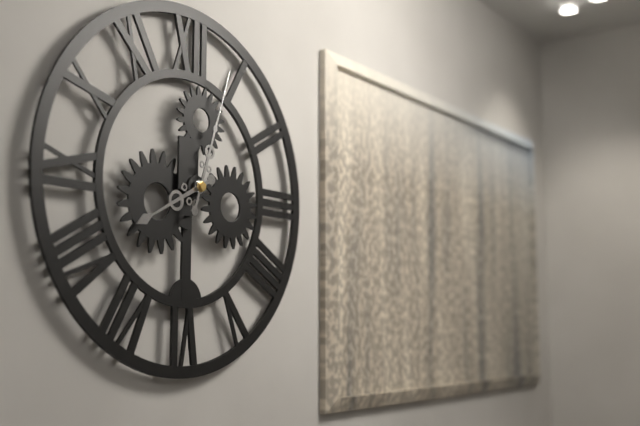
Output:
8,03
